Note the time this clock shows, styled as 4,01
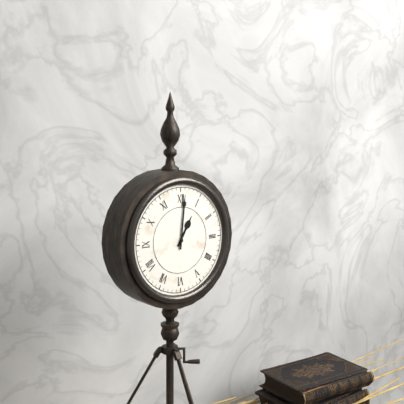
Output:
1,01
